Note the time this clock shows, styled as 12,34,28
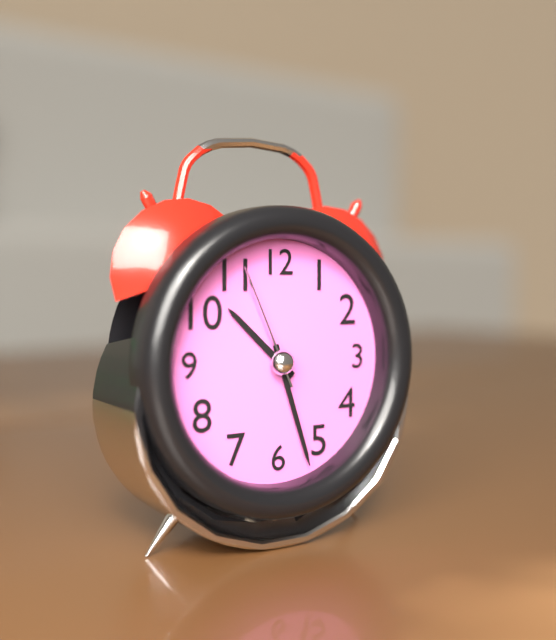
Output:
10,27,56
